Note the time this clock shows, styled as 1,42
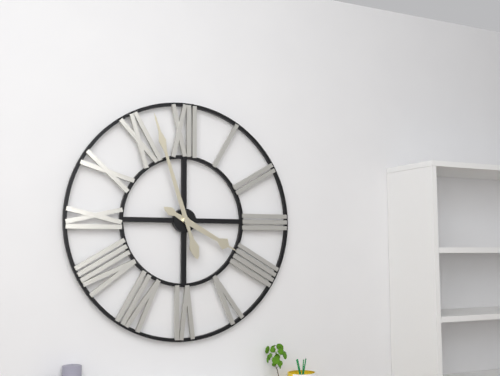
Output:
3,57
